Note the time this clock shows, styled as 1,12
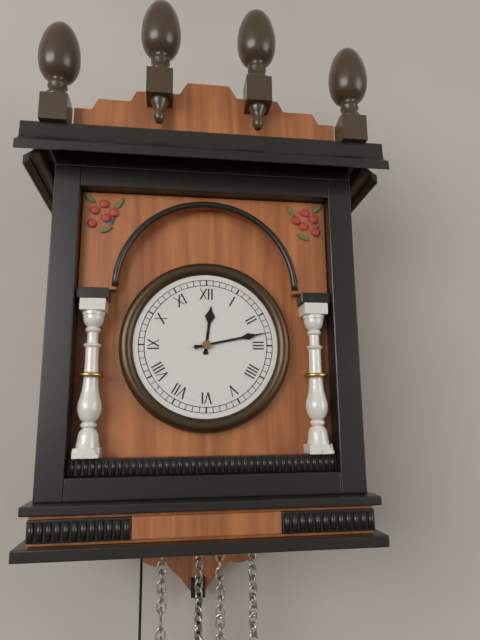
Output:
12,13
